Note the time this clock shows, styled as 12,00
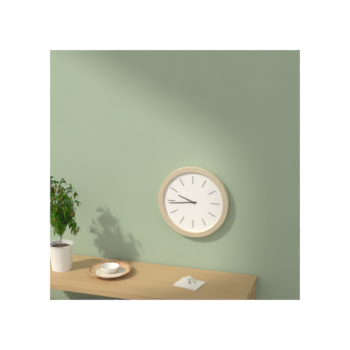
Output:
9,44
